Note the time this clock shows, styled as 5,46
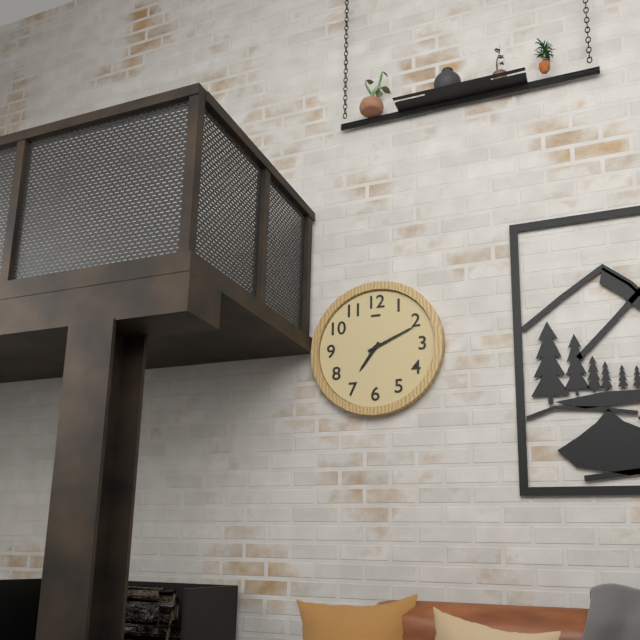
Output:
7,11
